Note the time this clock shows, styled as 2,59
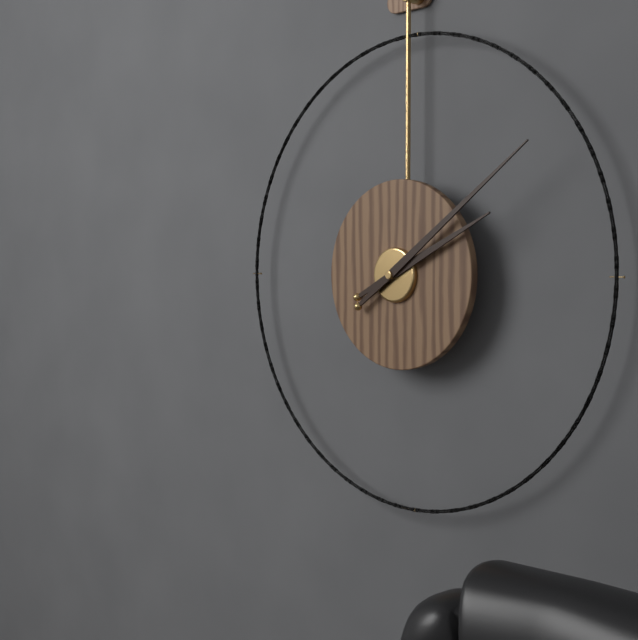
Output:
2,09
